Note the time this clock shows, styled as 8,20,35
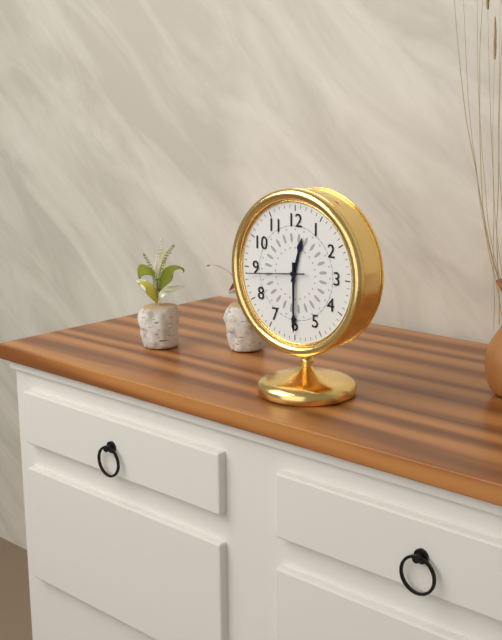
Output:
12,30,44
